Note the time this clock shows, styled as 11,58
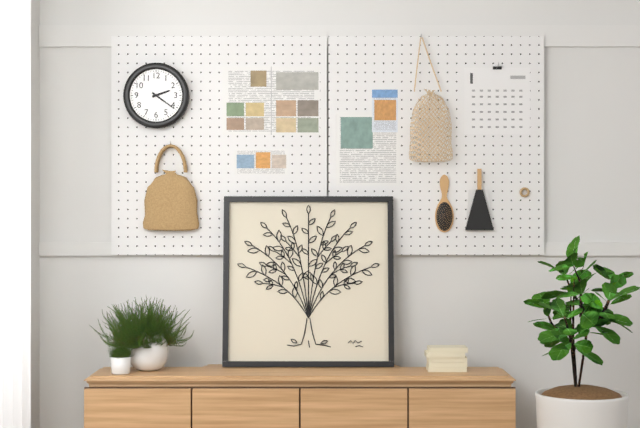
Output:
2,21
